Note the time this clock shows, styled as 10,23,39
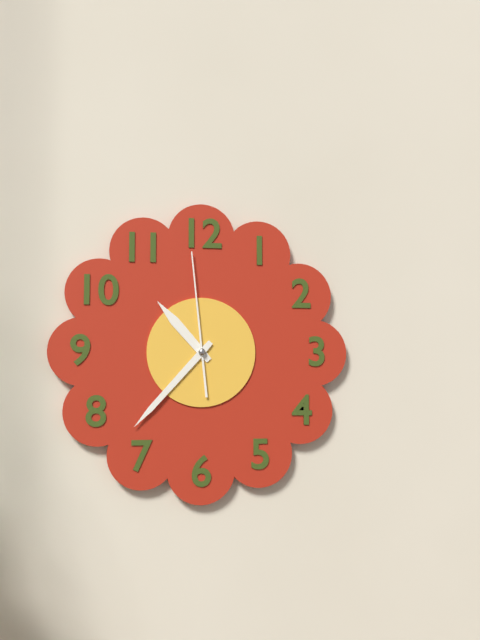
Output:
10,37,59
